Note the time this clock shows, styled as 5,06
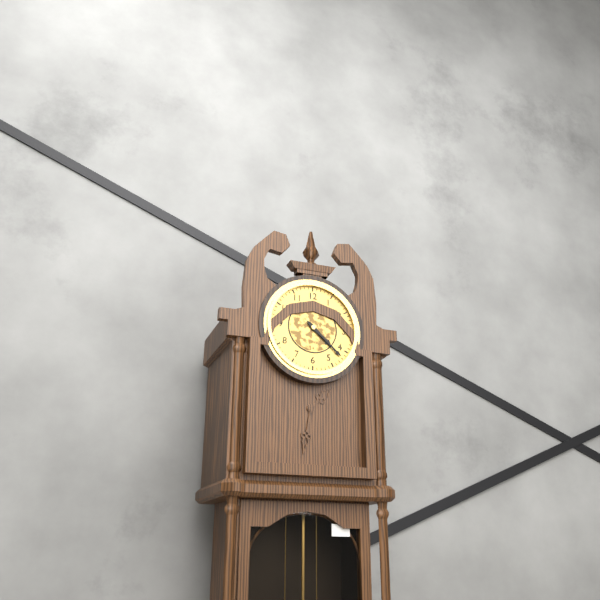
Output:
4,22
